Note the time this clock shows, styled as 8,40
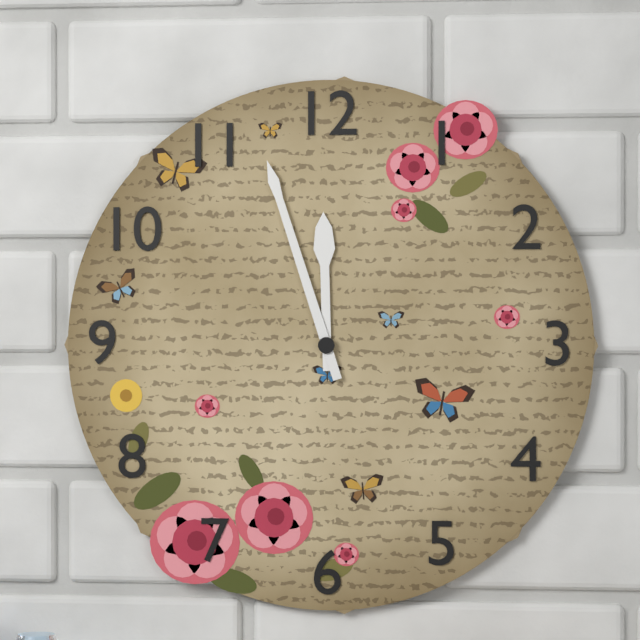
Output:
11,57
